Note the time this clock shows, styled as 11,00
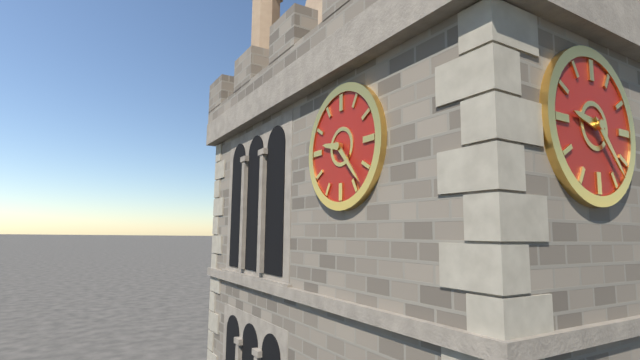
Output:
9,23
